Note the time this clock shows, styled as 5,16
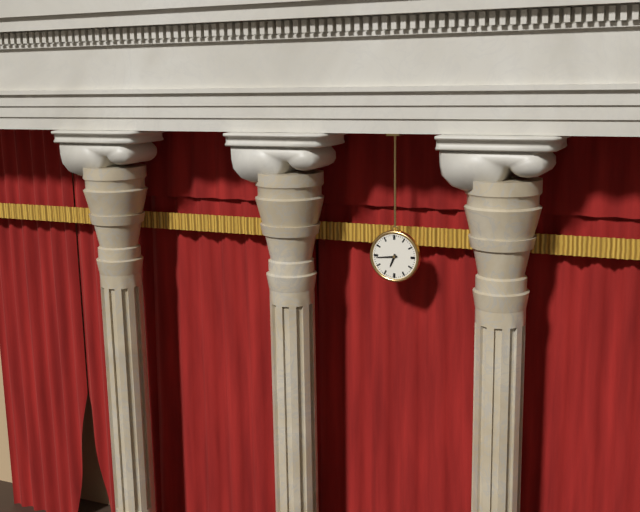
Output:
6,44
